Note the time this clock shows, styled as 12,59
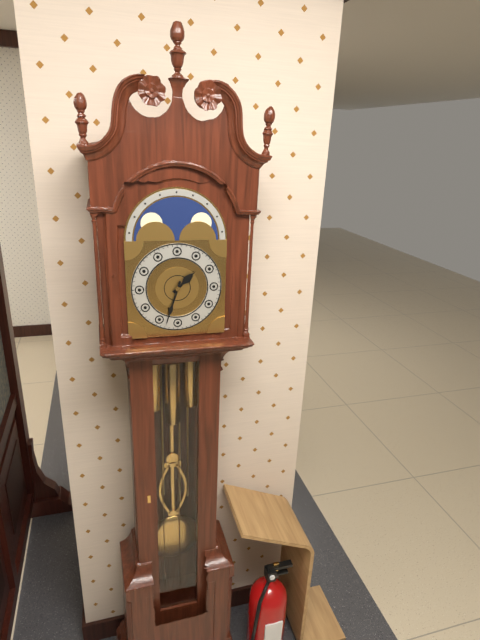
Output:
1,33
